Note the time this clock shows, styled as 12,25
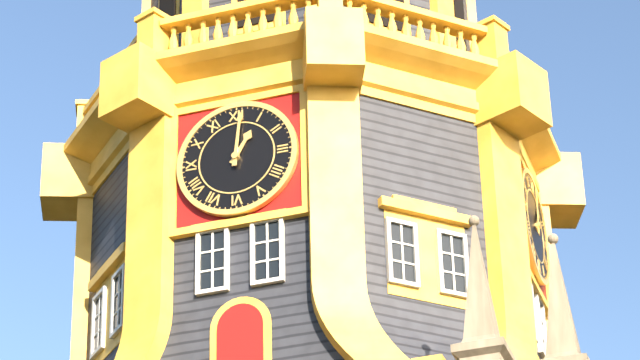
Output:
1,01
